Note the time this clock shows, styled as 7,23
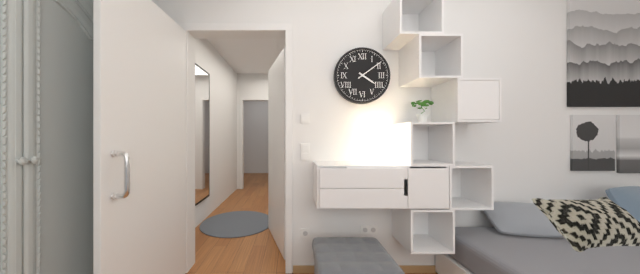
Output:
4,09
